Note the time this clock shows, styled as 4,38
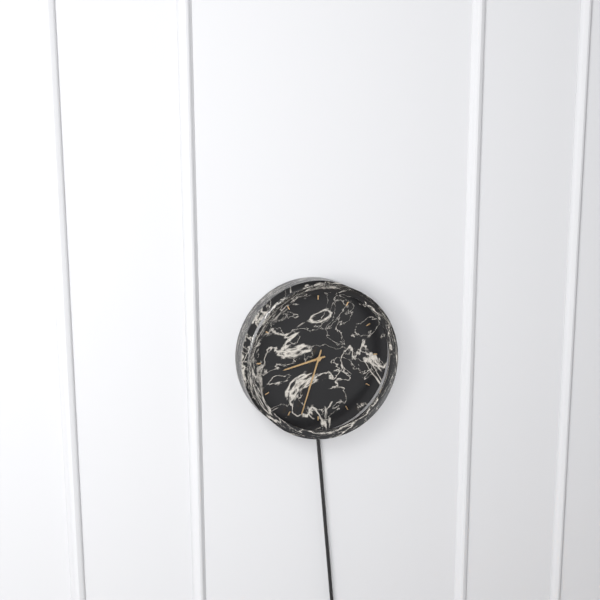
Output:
8,33
